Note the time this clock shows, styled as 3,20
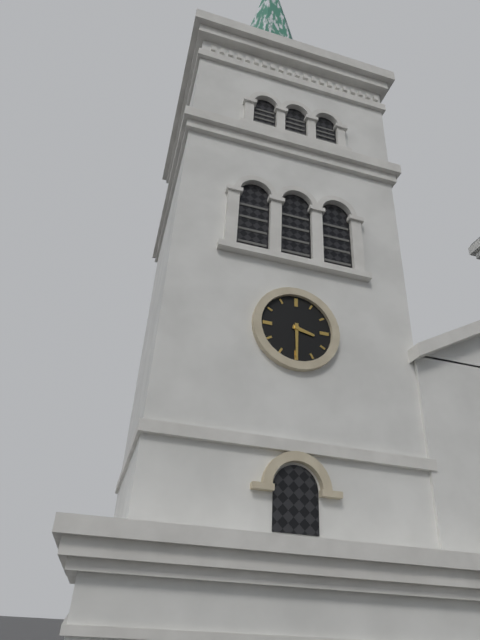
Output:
3,30
